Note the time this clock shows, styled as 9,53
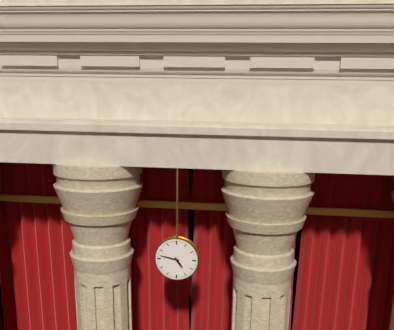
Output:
4,47
